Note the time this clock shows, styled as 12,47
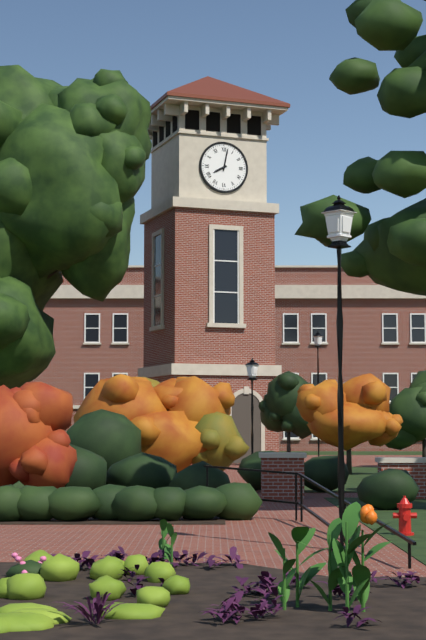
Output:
8,02
